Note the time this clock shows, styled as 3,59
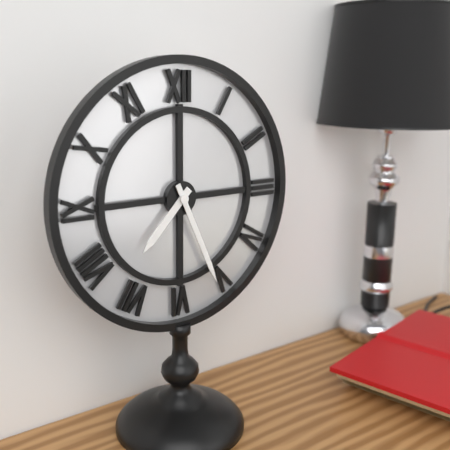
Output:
7,26
